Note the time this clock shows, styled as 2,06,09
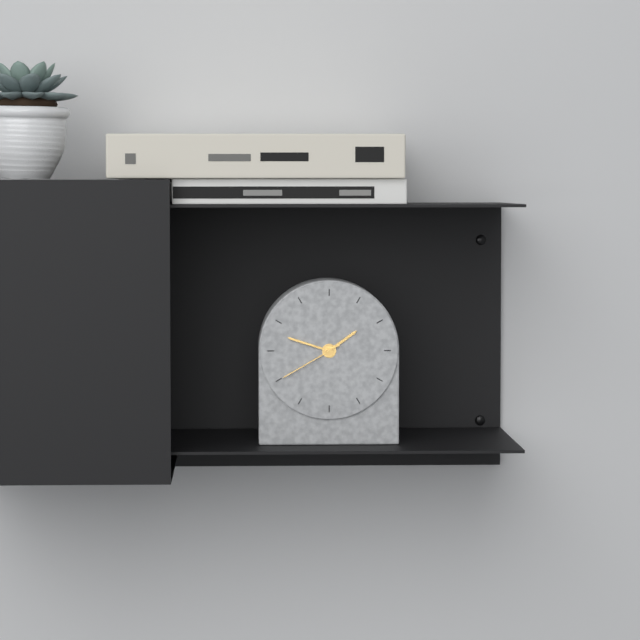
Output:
1,48,40
